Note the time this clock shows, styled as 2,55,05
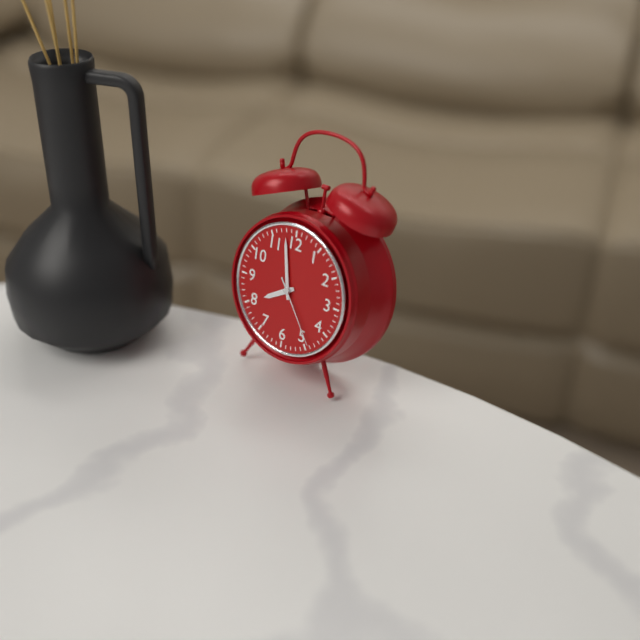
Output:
7,58,24
